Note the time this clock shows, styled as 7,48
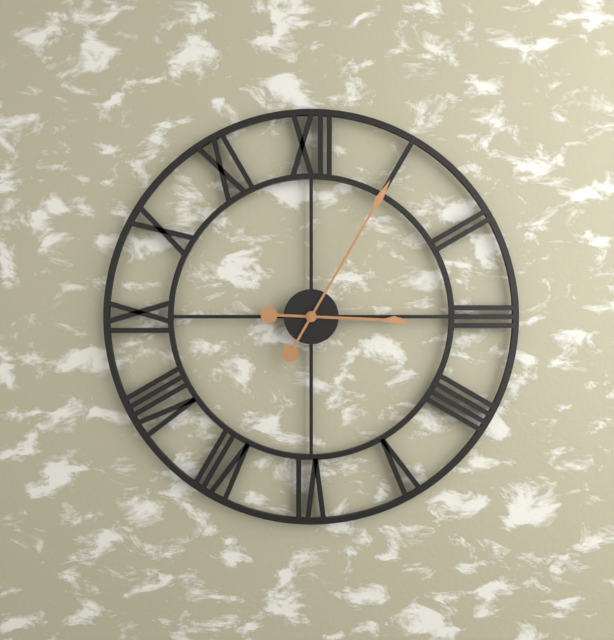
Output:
3,05
